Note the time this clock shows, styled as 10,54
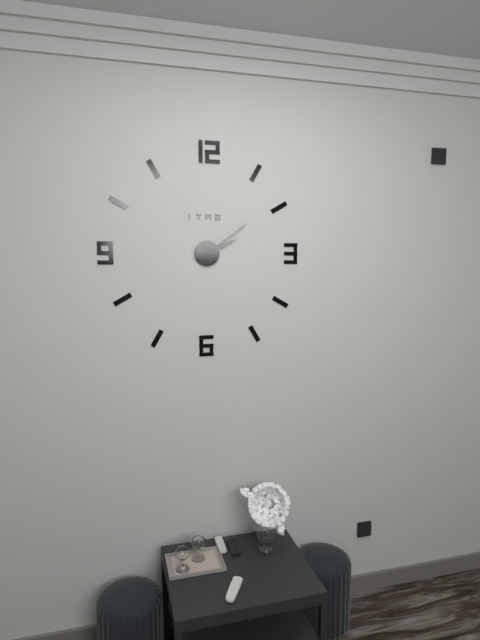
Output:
2,09
